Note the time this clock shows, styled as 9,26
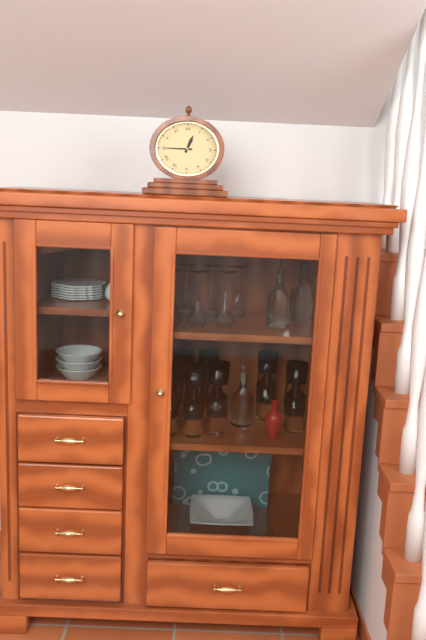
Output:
12,45
